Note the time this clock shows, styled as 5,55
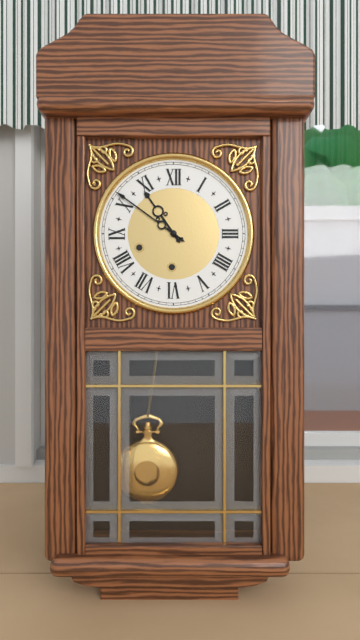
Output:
10,51
